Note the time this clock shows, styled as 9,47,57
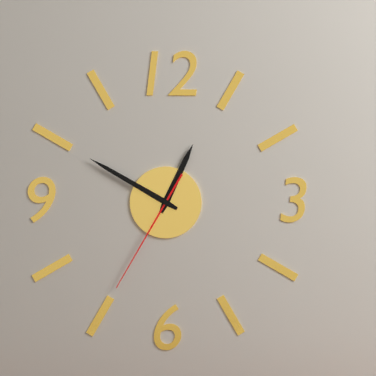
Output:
12,50,35
